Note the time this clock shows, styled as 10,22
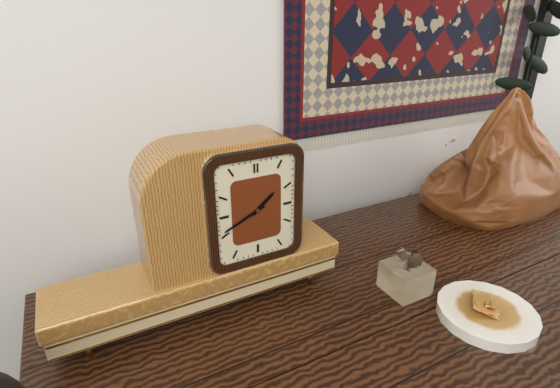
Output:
1,41
